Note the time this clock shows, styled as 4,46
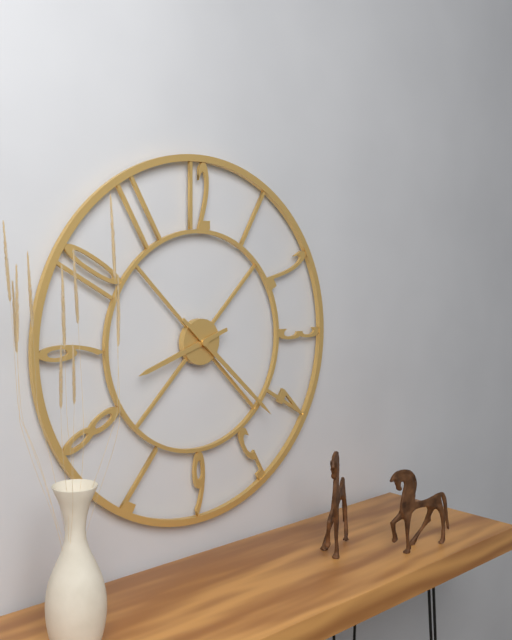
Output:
8,22
